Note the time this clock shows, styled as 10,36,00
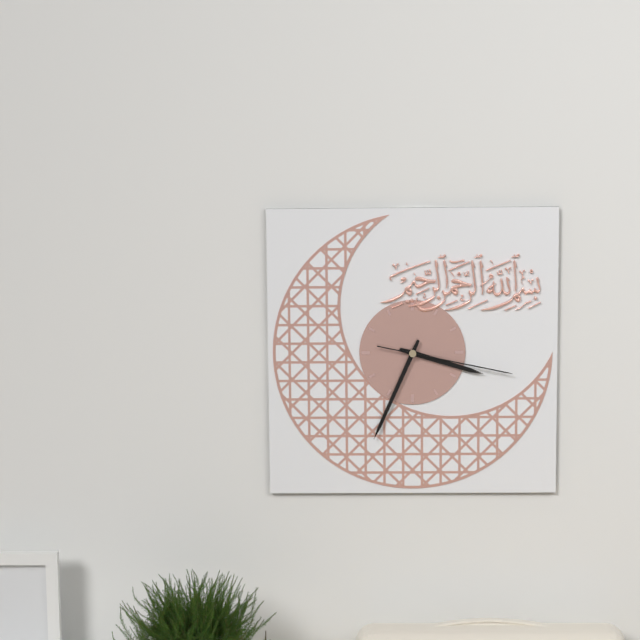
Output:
3,34,17
